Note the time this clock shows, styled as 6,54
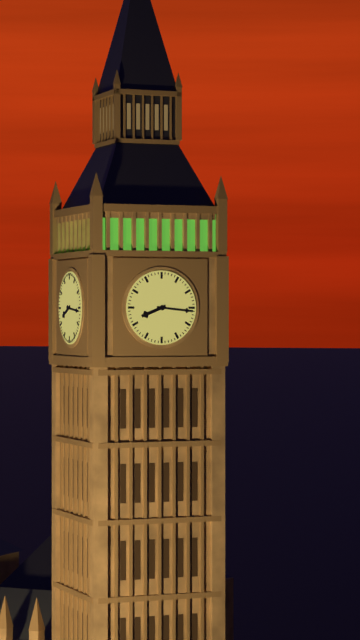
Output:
8,16
